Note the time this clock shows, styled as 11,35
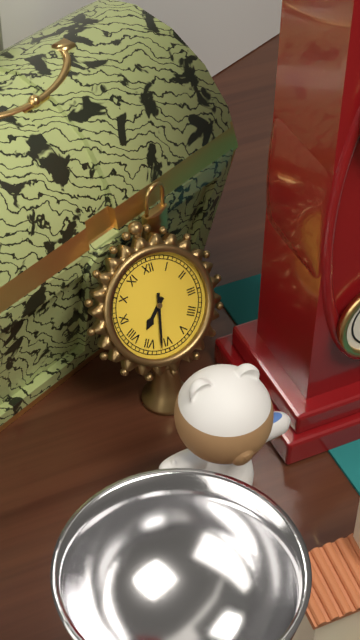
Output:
7,32
